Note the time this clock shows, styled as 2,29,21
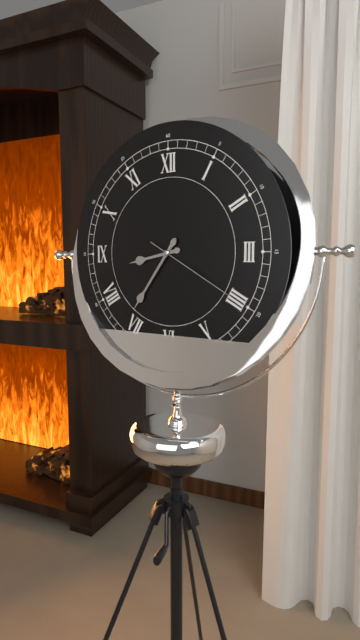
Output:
8,36,20
